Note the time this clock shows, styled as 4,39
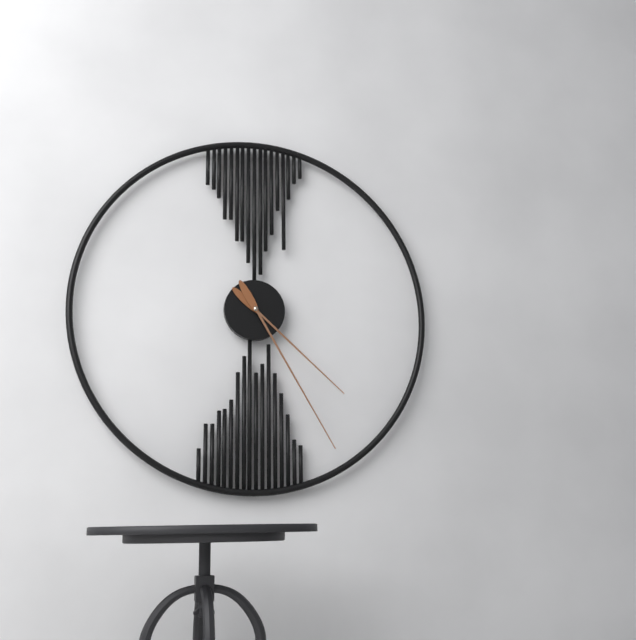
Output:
4,25
